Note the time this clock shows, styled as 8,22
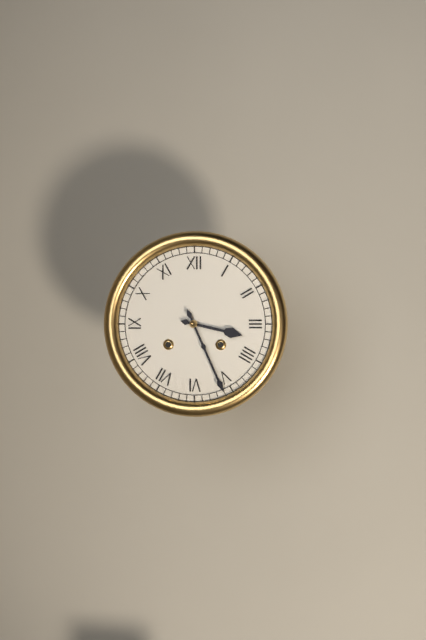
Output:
3,26
